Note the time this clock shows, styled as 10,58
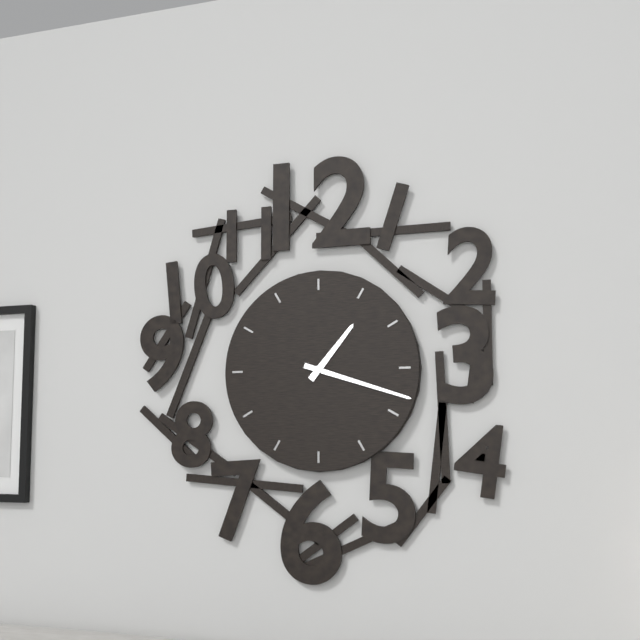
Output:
1,18
